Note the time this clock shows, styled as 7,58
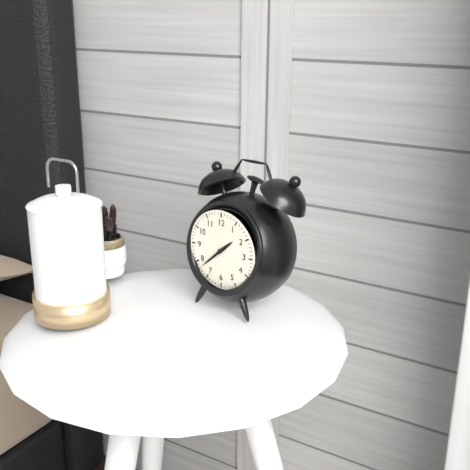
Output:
1,38
